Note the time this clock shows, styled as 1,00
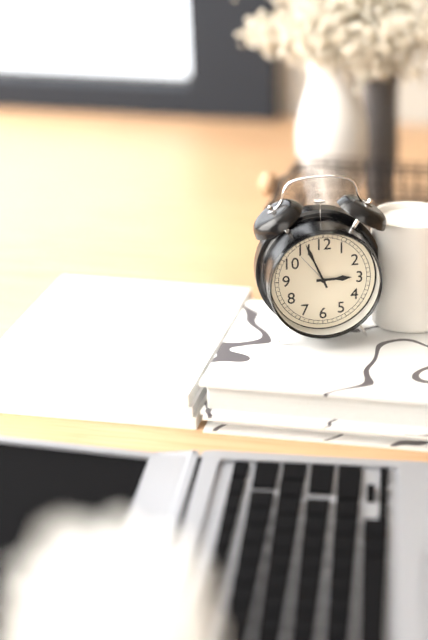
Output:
2,56
